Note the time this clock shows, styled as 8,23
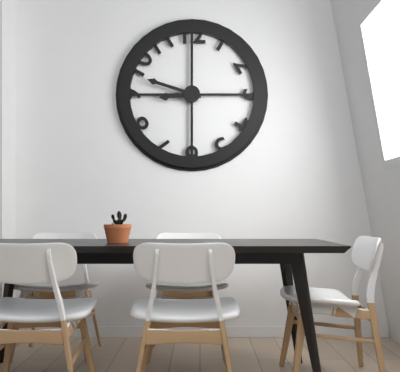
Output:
8,48
